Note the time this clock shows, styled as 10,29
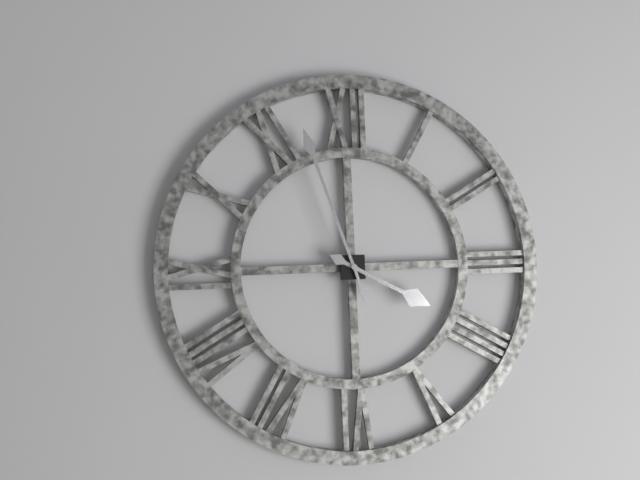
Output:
3,57
